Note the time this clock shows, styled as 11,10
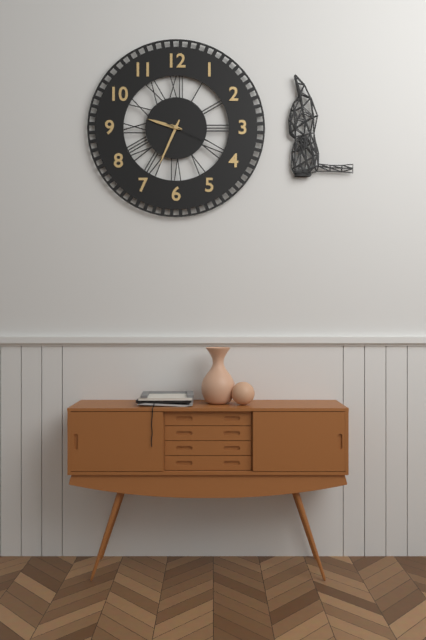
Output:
9,34
